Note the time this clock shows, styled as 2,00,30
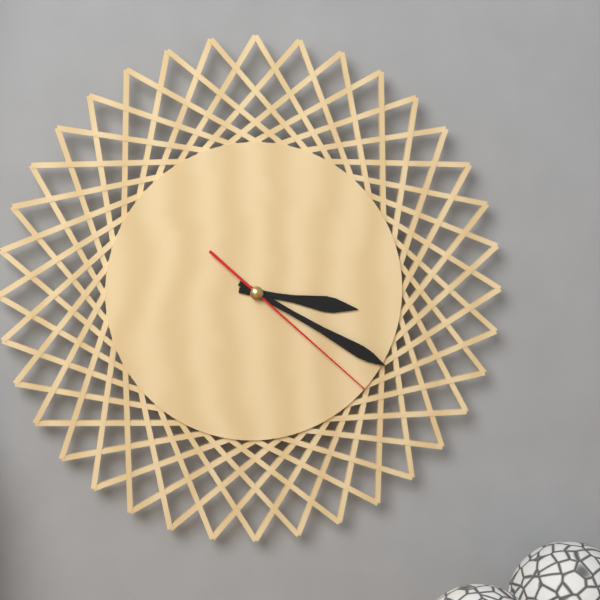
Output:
3,20,22
